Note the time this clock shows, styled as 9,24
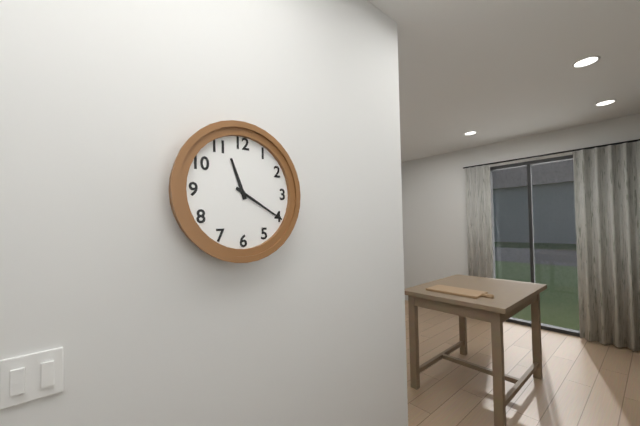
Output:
11,20
